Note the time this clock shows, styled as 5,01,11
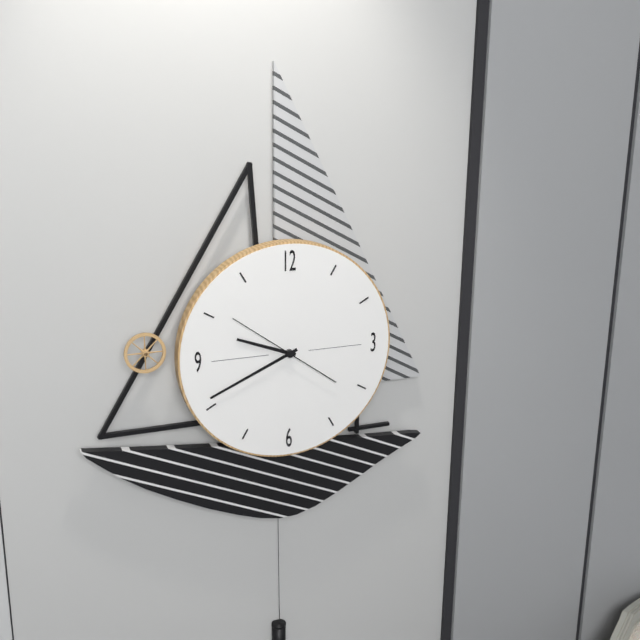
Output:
9,41,51
